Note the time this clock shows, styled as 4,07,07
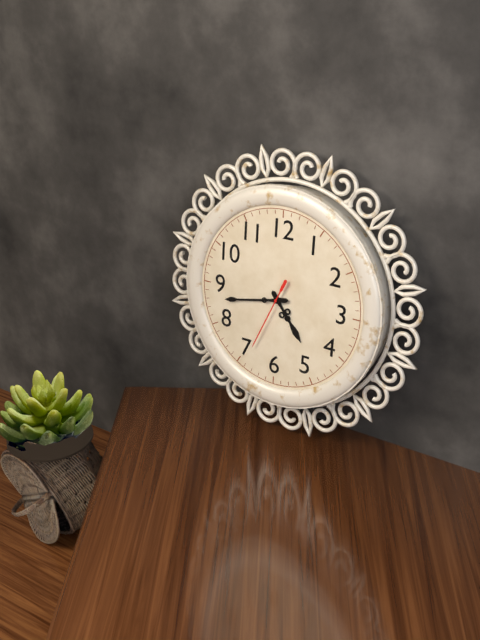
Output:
4,43,34
